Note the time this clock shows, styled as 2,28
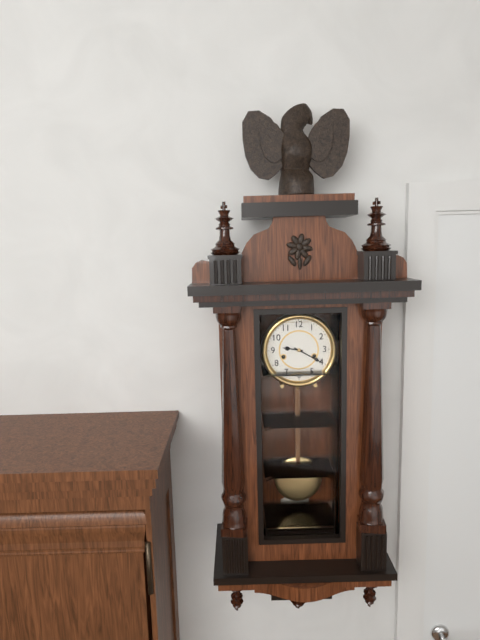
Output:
9,20
